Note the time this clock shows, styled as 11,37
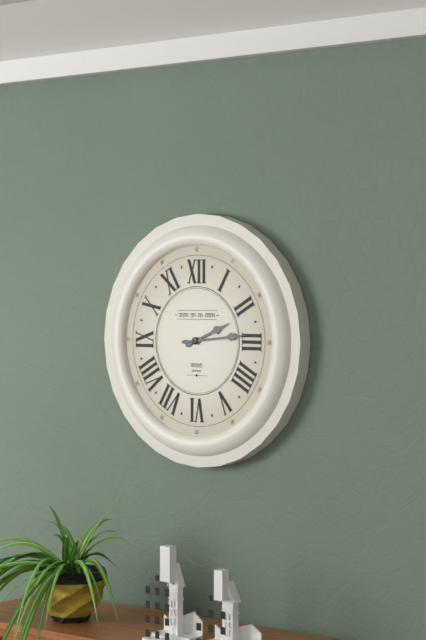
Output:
2,14
